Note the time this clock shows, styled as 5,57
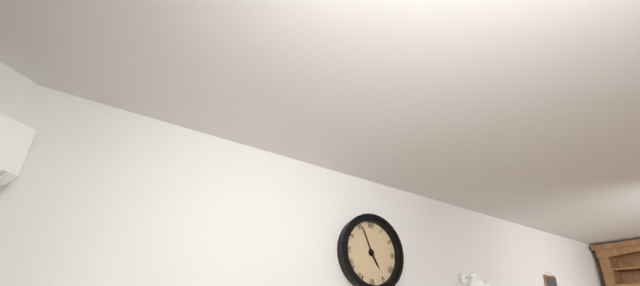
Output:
4,56
